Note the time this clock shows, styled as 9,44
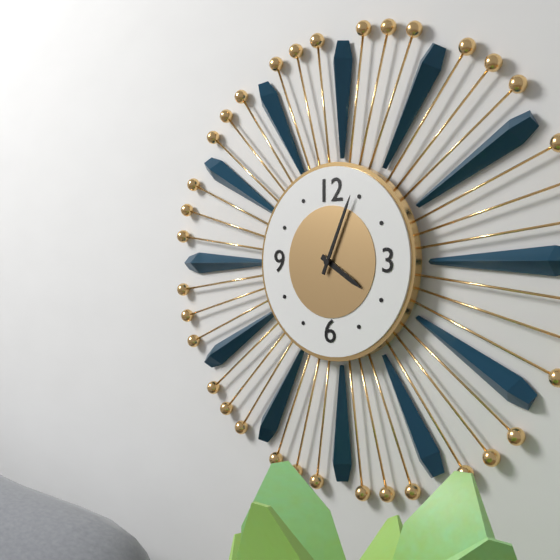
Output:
4,04
